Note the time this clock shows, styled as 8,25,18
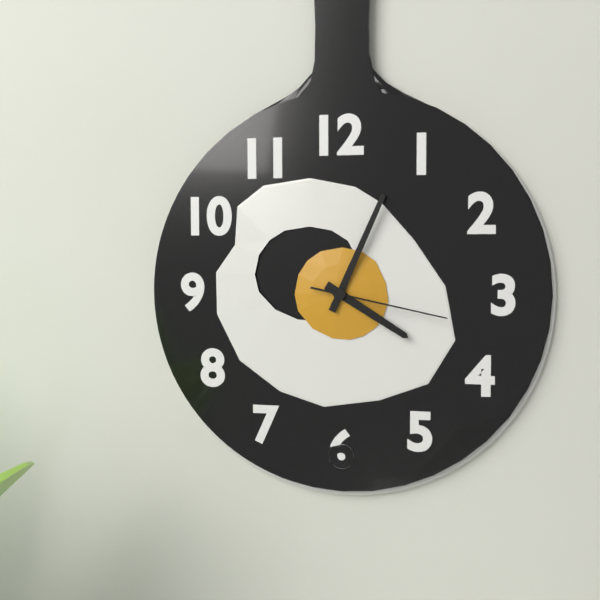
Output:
4,04,17
